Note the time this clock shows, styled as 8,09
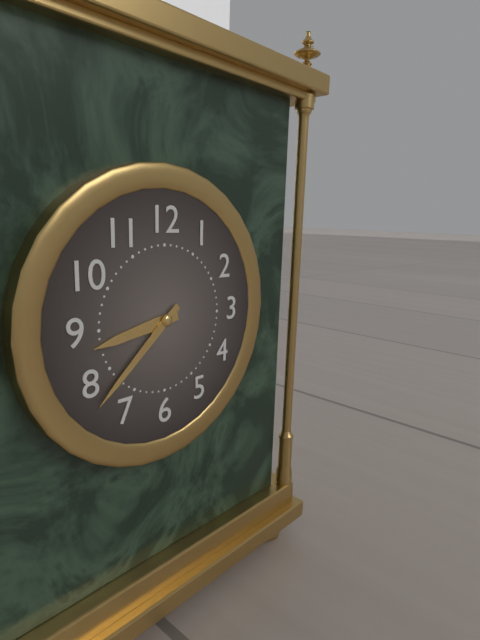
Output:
8,38
